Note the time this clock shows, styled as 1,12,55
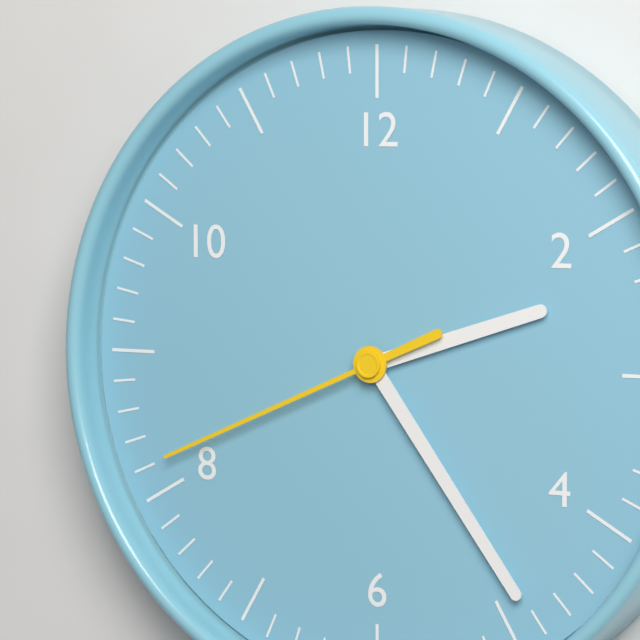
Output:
2,24,41
